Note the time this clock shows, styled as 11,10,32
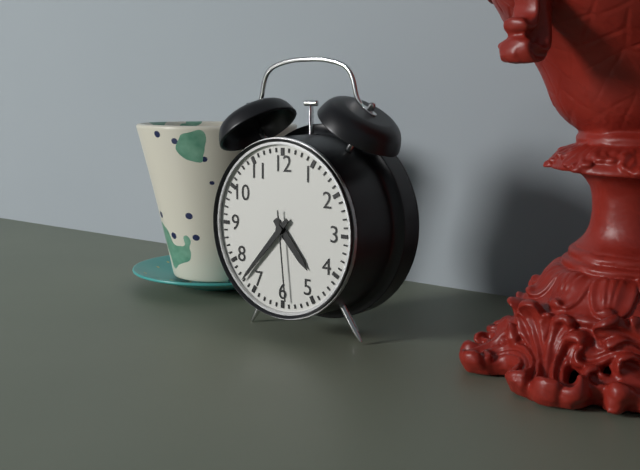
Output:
4,37,29
